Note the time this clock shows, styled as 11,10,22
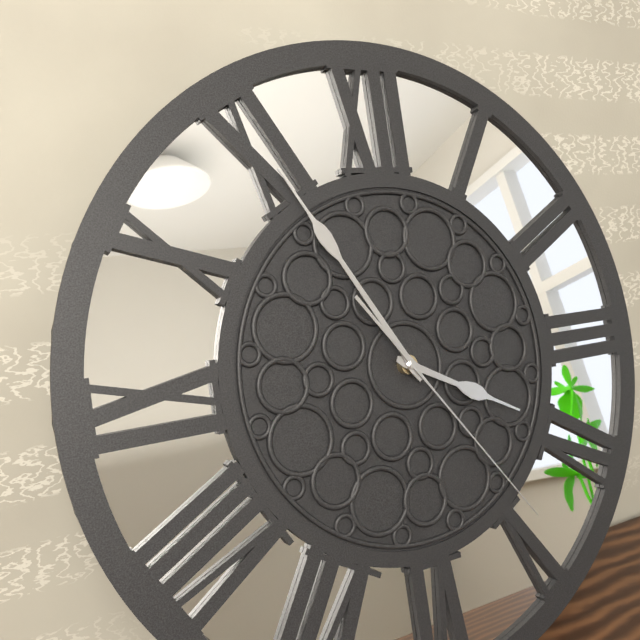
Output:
3,55,24
